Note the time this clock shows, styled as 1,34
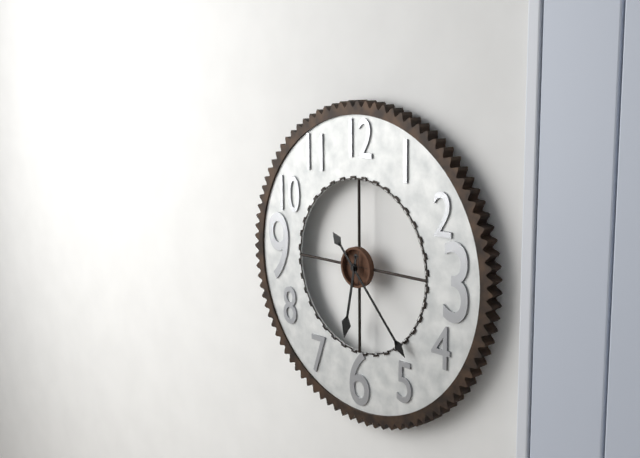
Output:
6,23
